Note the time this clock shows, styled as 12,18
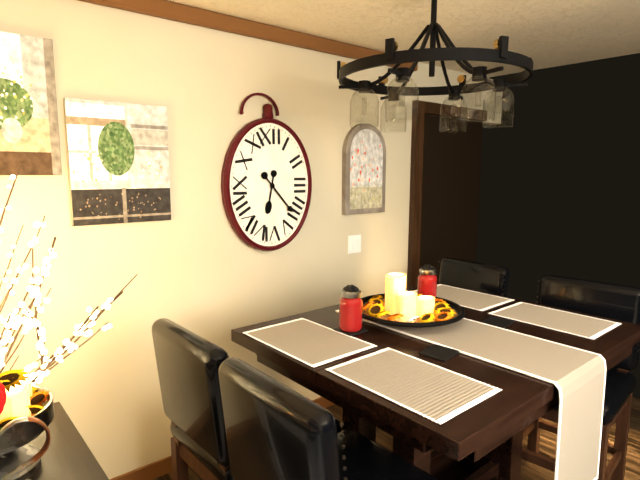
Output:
6,23
